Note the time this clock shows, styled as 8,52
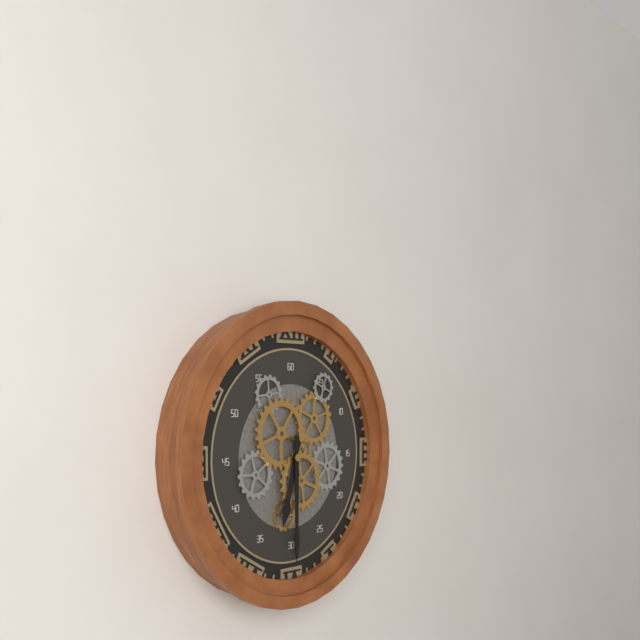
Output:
6,30
